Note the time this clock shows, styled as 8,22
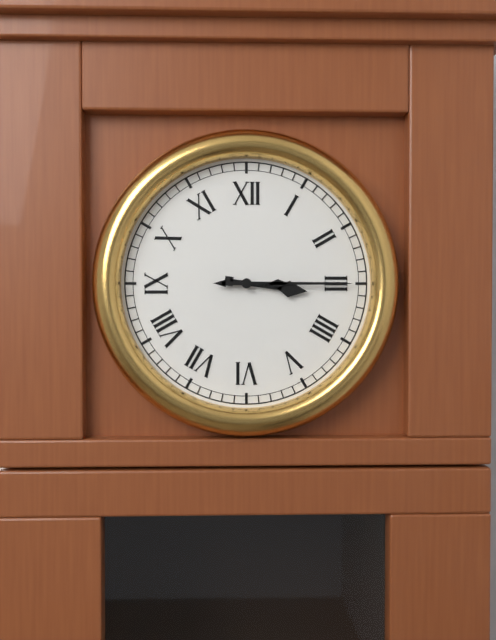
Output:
3,15
